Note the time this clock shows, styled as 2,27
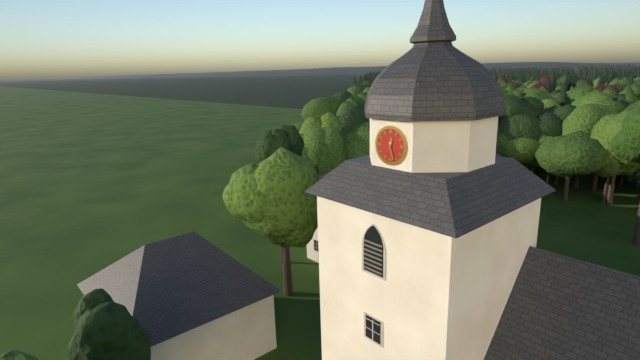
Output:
12,27
